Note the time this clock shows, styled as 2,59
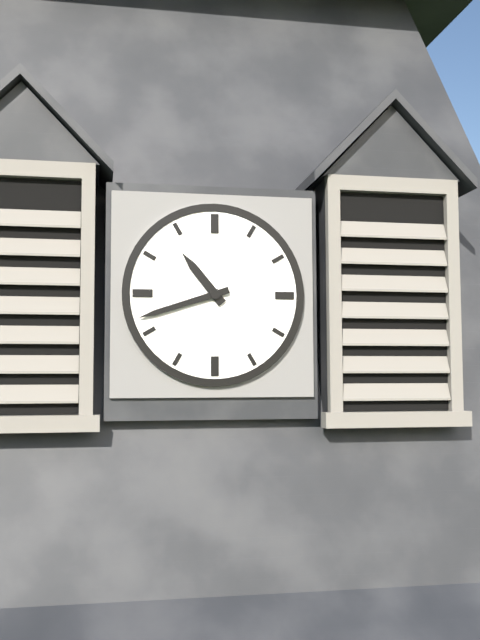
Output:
10,42
